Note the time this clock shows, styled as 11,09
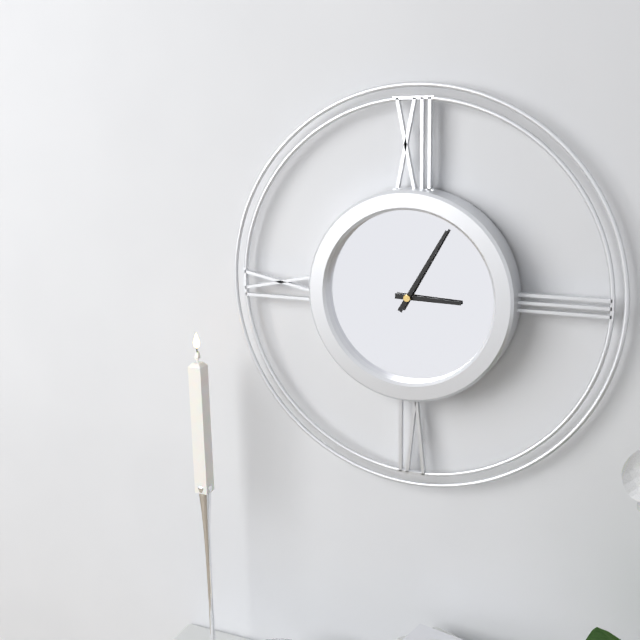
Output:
3,05
